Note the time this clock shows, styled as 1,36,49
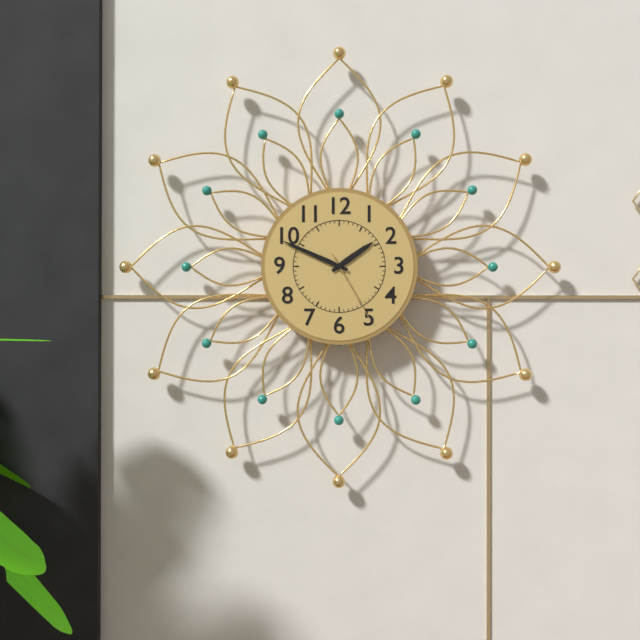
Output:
1,49,25
